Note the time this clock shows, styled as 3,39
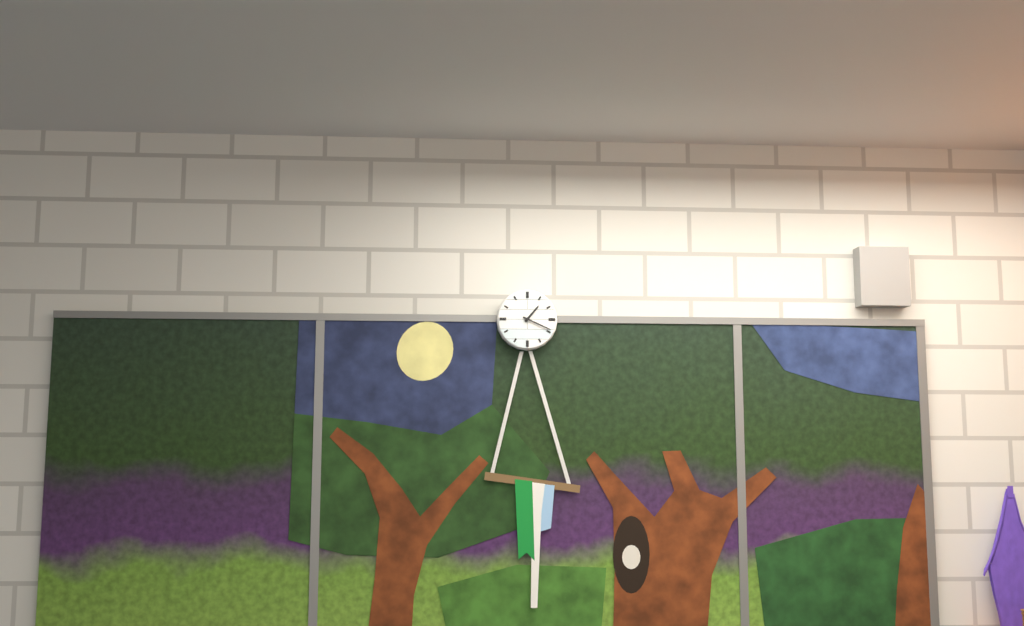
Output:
1,19
